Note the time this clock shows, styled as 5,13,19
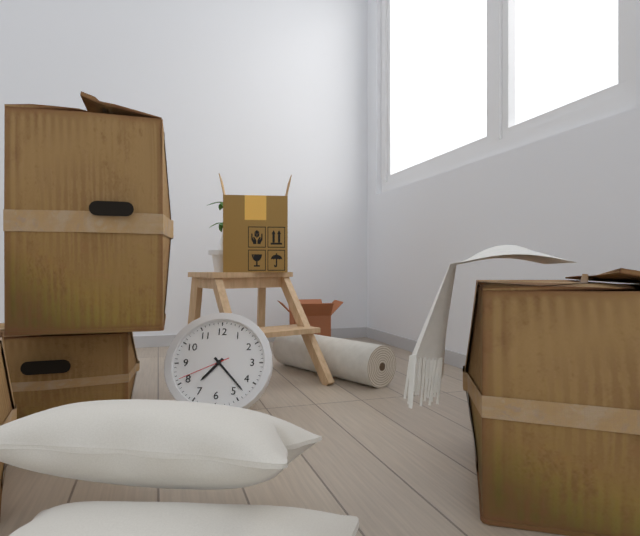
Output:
7,23,41
